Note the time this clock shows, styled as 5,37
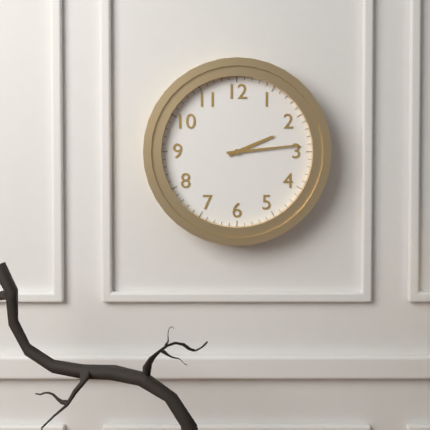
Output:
2,14
